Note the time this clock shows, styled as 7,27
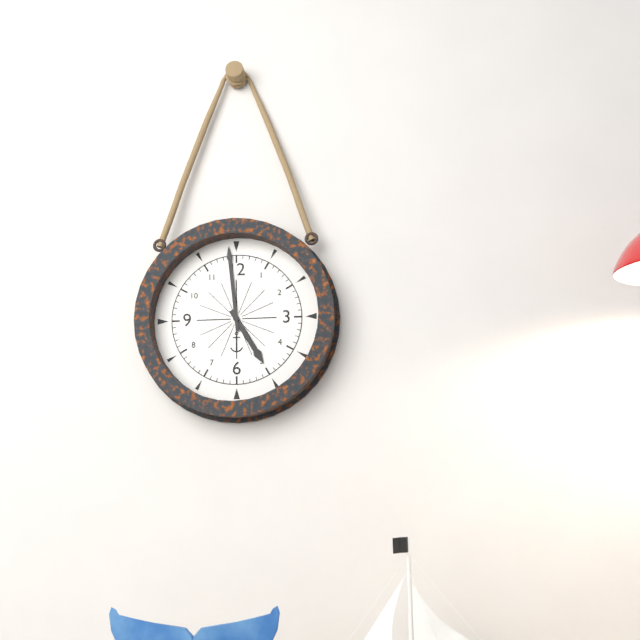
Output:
4,59
